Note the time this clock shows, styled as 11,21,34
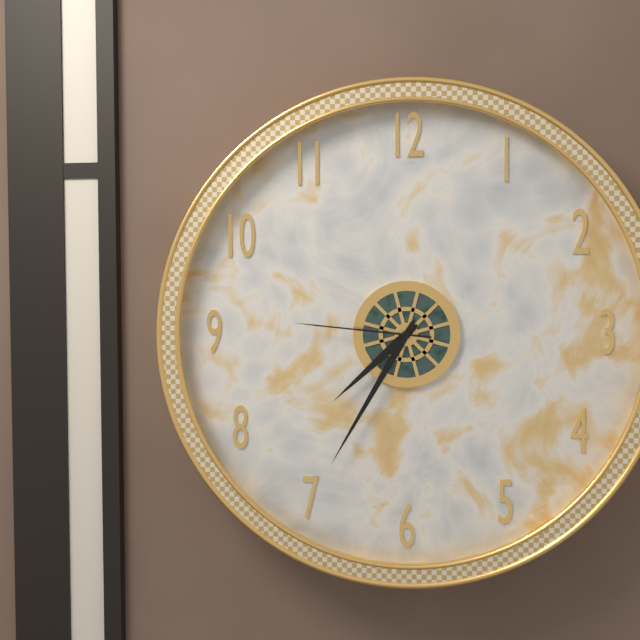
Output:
7,35,46
